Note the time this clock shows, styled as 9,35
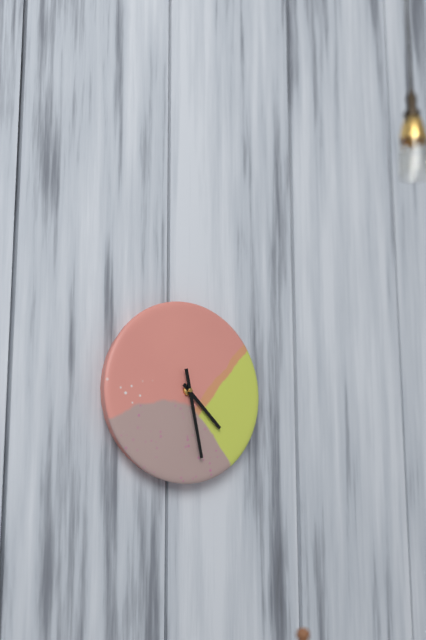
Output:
4,28
